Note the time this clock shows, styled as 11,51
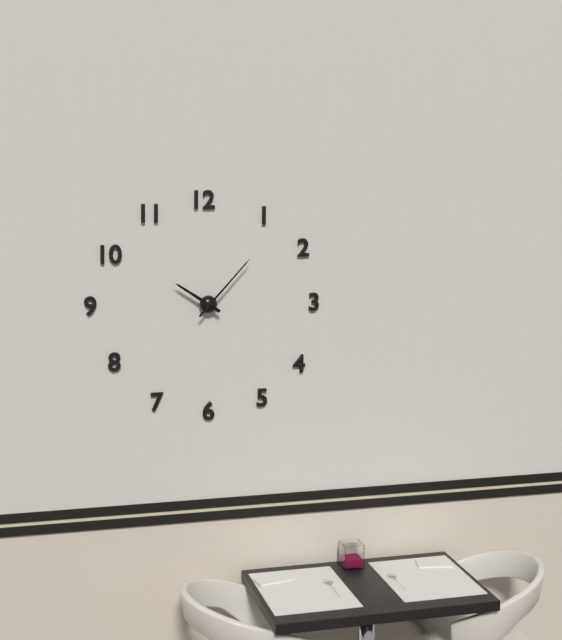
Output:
10,07
